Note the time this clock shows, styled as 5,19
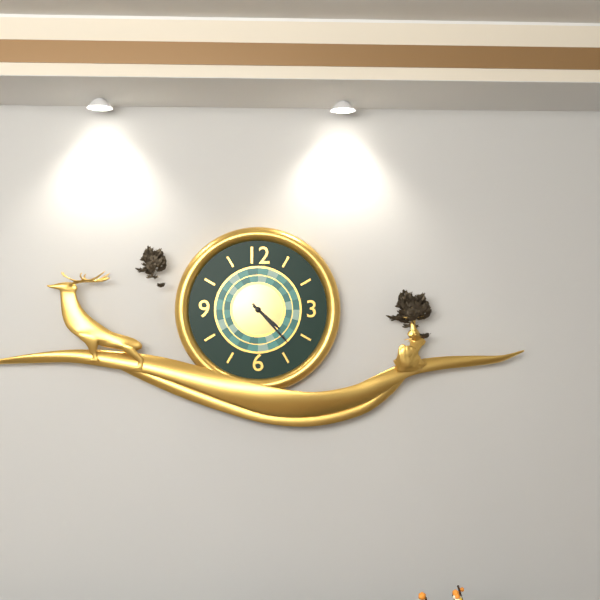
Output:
4,23
